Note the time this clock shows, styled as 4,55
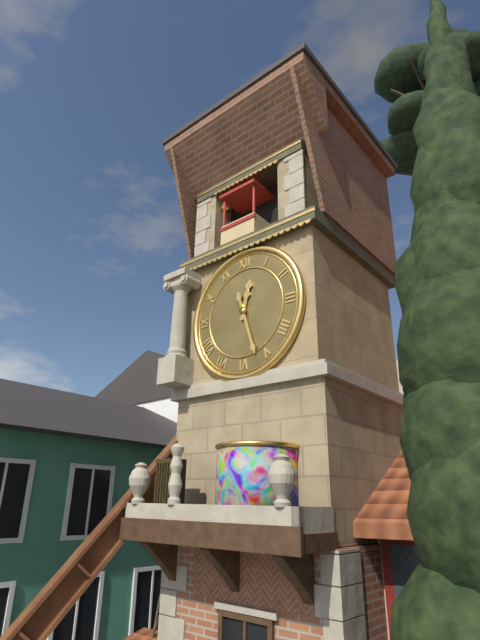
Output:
12,27
